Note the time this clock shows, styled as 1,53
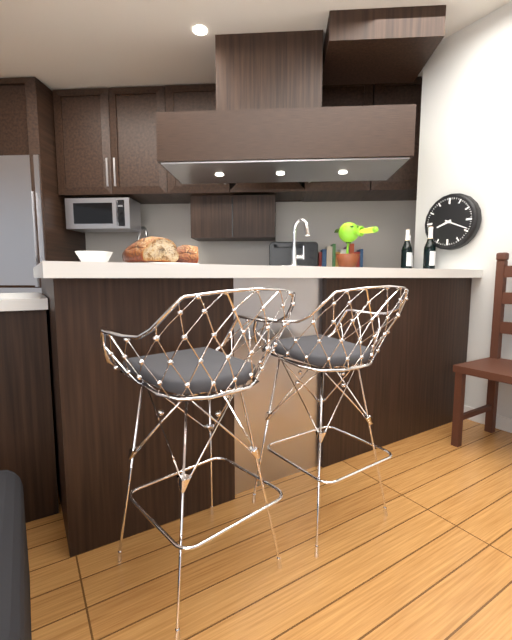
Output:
8,19
